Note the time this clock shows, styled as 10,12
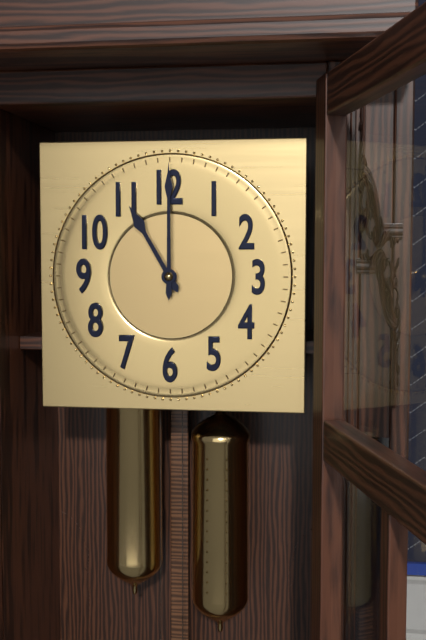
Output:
11,00
